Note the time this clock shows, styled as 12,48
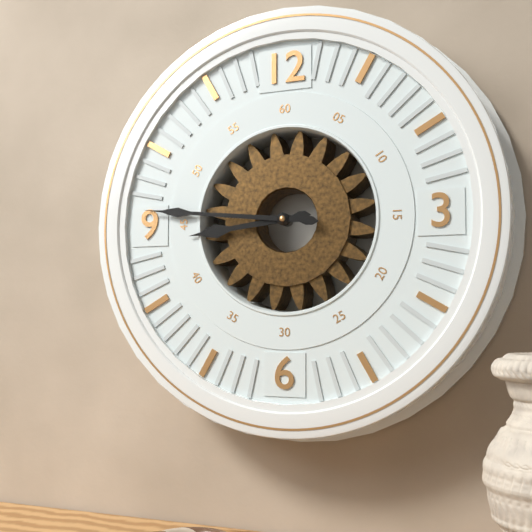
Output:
8,46
